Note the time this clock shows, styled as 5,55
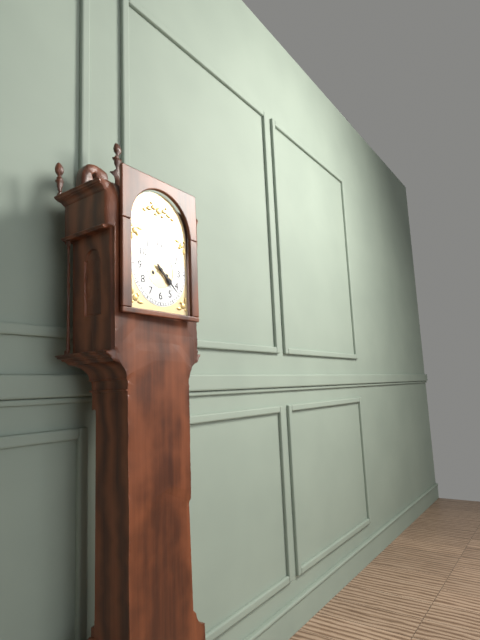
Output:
4,22
